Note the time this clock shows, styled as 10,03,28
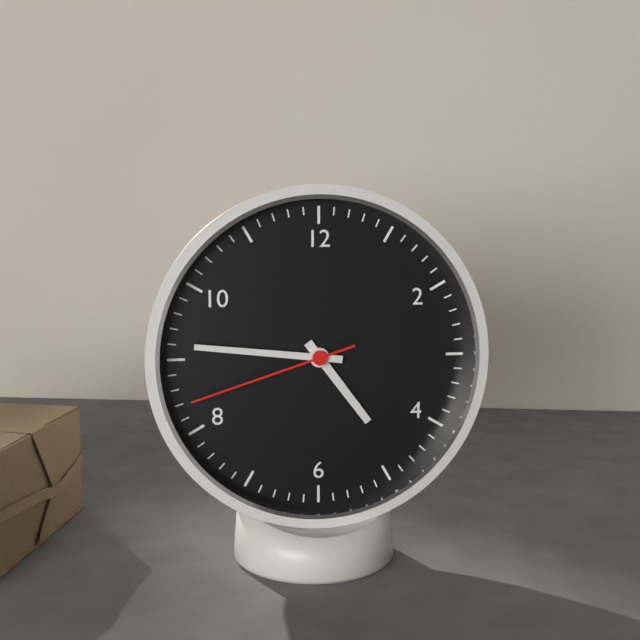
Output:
4,46,42
